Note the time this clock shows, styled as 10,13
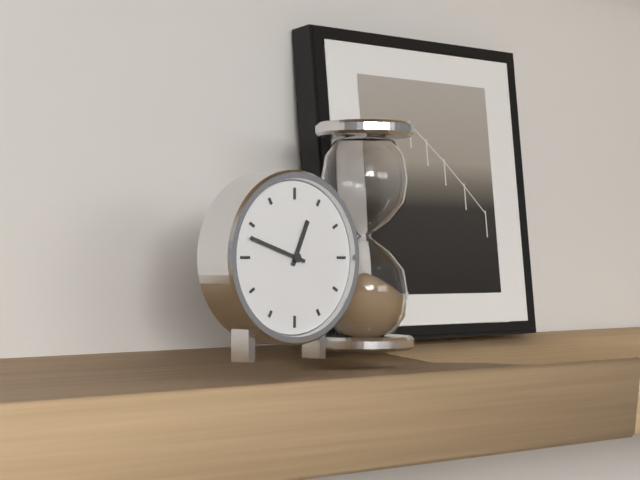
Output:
12,48
